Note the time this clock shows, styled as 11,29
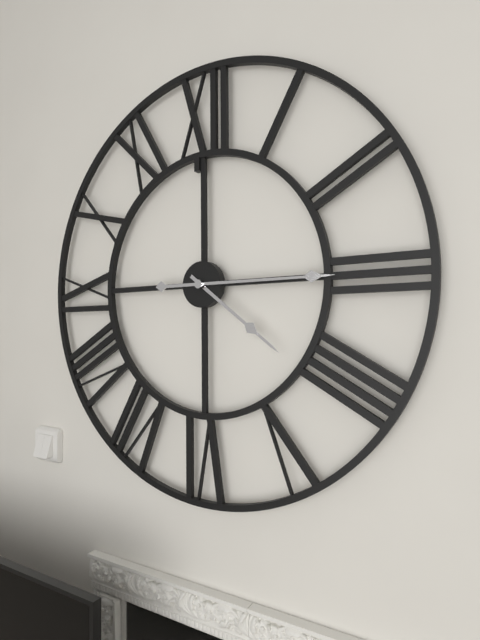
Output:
4,15
